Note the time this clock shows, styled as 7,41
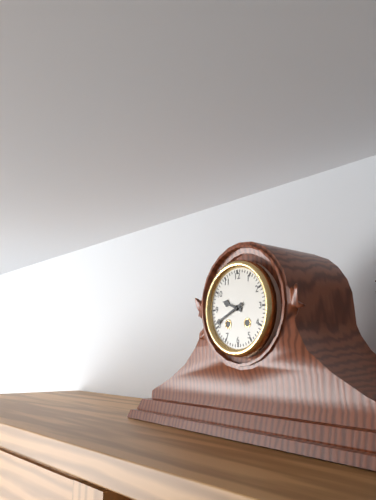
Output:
9,41
